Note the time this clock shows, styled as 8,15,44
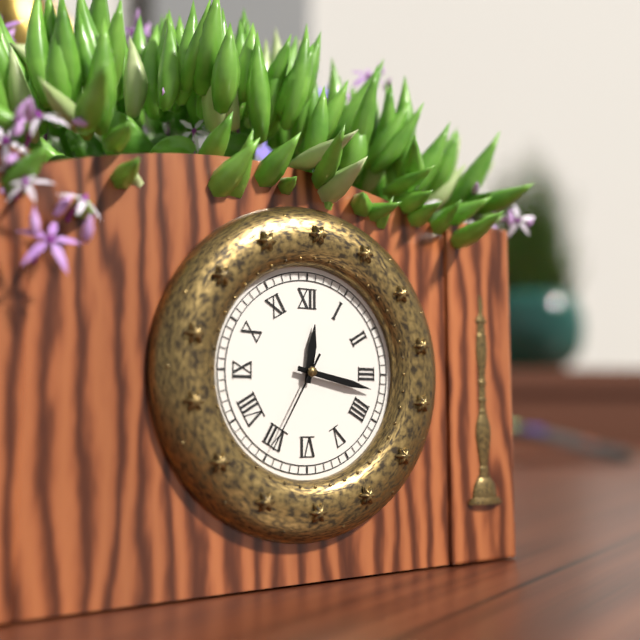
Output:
12,17,35
